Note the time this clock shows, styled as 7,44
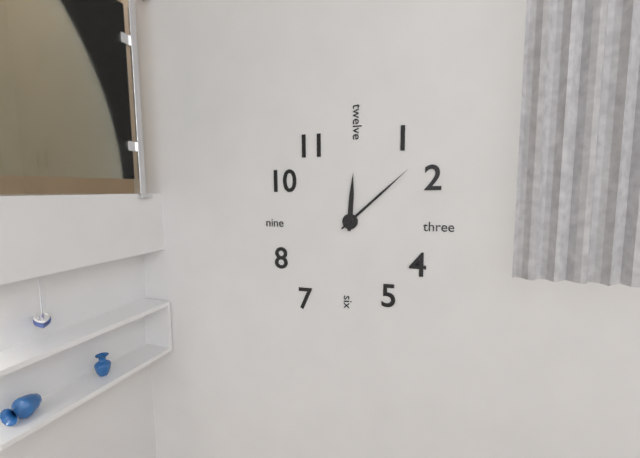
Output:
12,08
